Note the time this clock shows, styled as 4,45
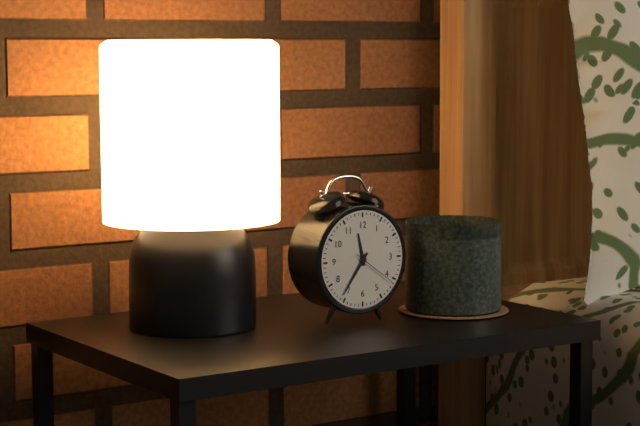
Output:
11,36
